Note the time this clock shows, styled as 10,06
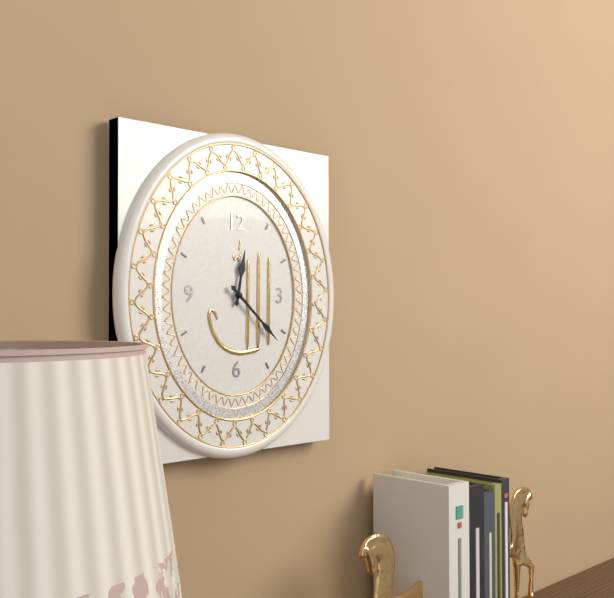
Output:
12,22
